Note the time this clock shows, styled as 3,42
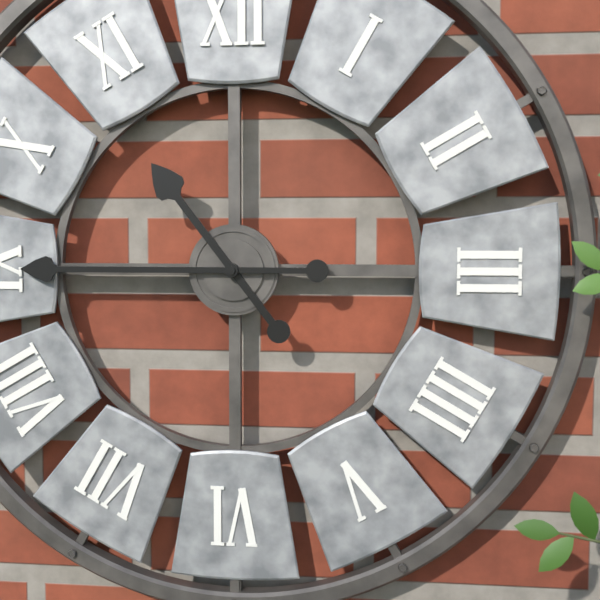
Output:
10,45
